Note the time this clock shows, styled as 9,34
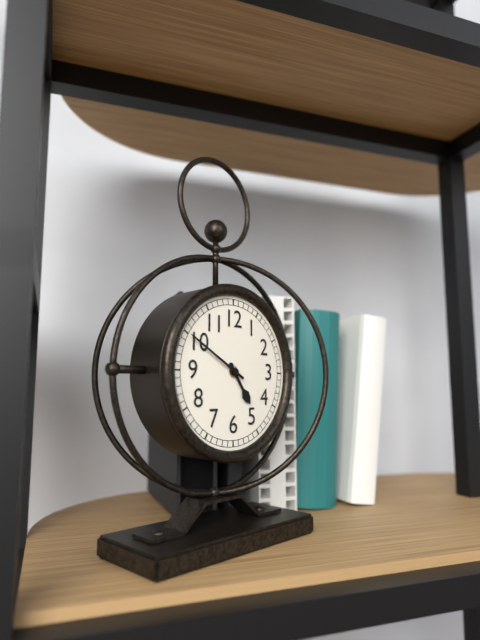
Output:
4,50
